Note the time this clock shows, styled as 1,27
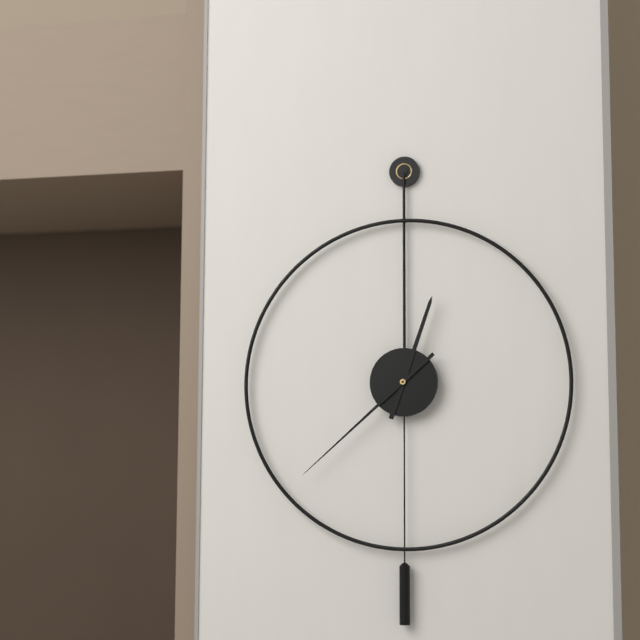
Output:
12,38
